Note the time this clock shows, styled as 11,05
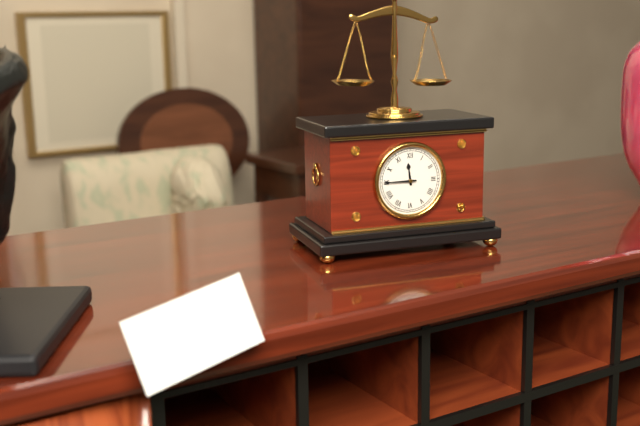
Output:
11,45
